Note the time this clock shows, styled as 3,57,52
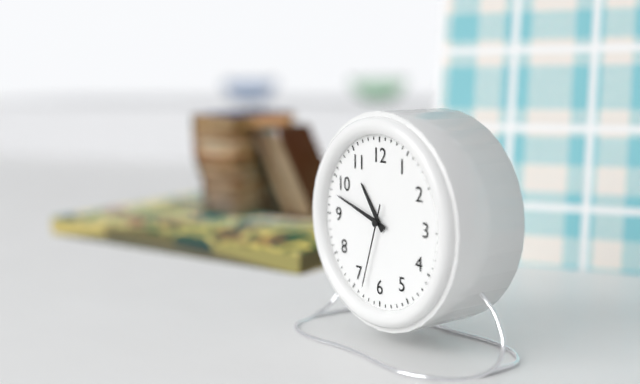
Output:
10,48,33
